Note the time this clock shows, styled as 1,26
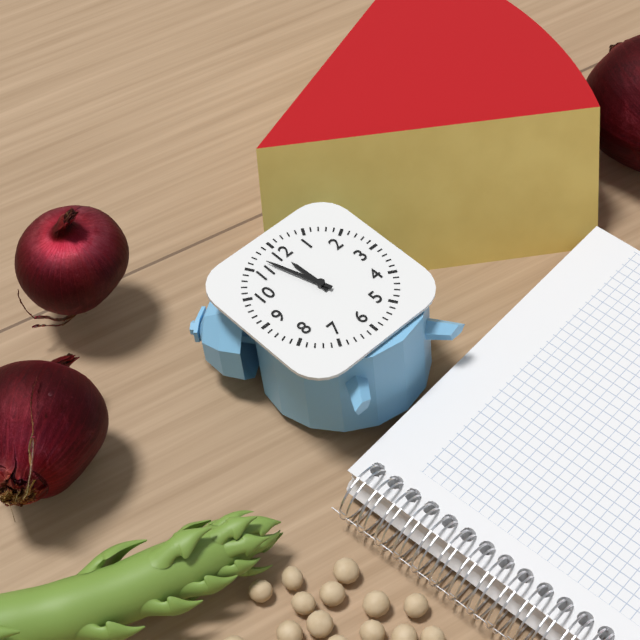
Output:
11,57
